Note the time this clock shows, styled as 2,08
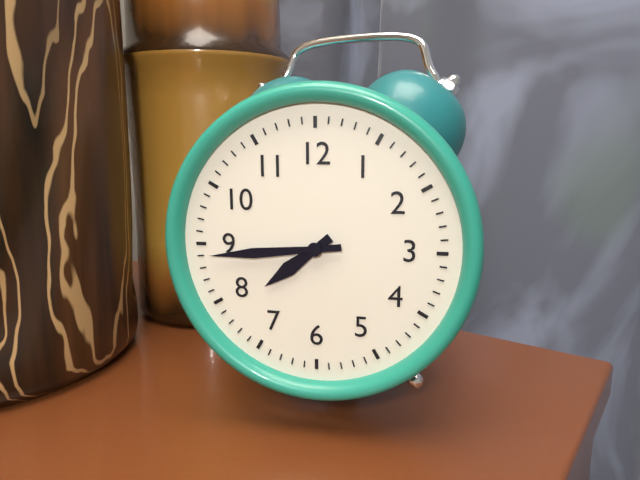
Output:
7,44
